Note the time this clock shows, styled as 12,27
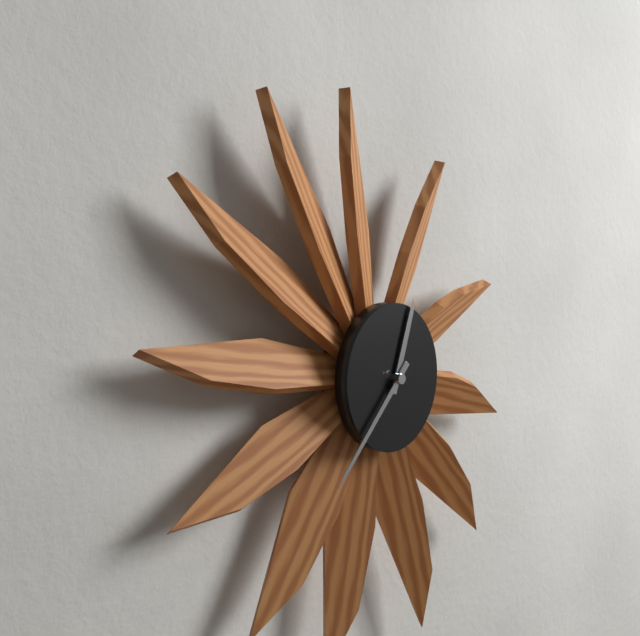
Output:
12,37
